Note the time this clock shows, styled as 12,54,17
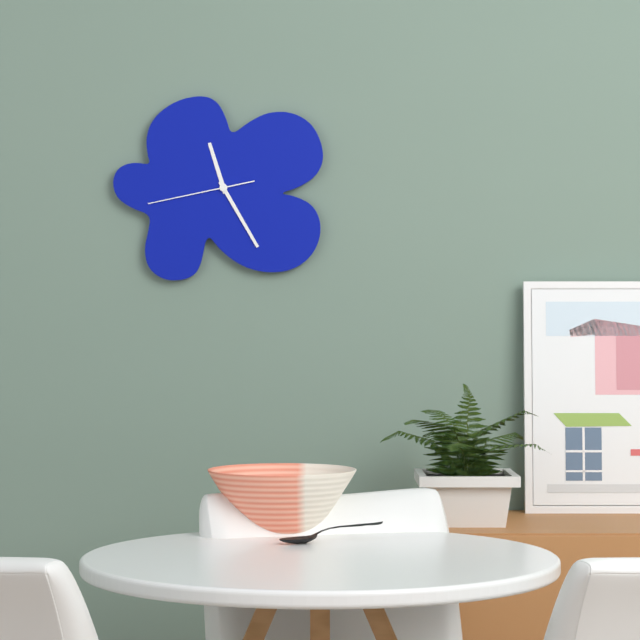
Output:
11,25,43
